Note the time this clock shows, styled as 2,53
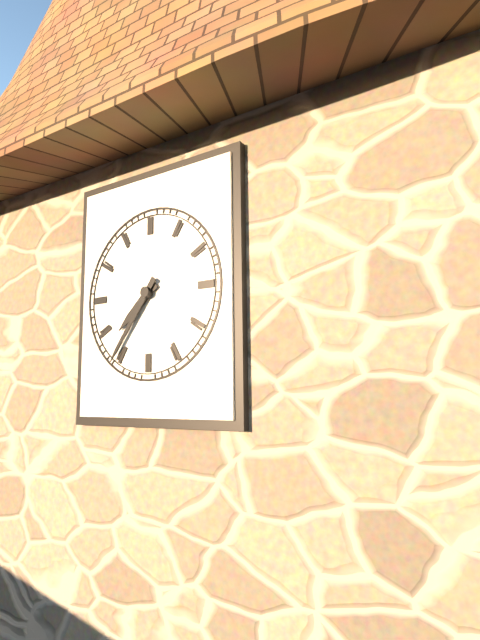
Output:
7,36
